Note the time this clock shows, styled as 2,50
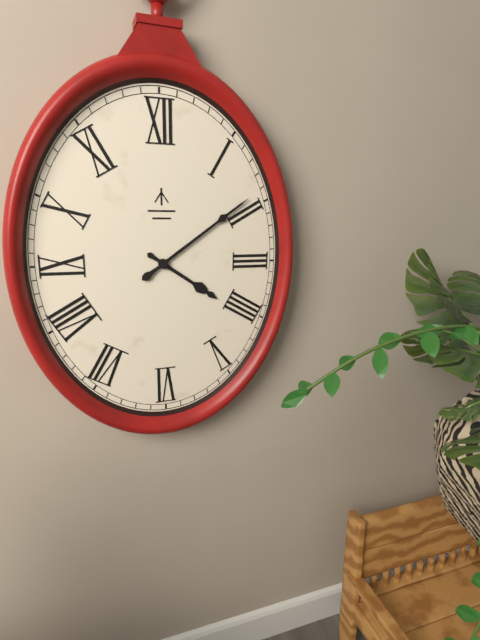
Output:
4,09
